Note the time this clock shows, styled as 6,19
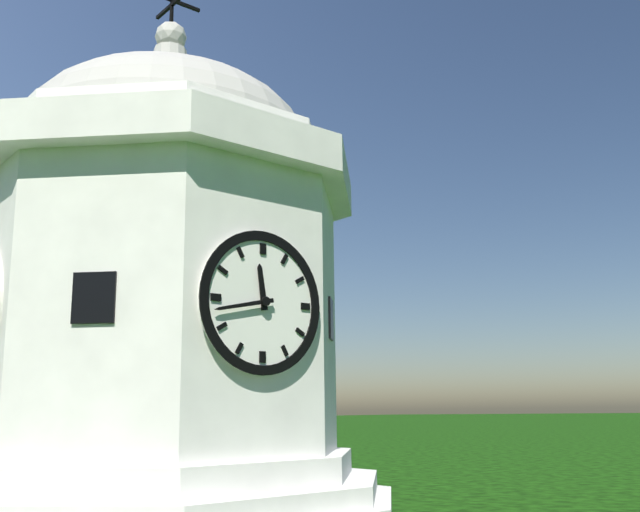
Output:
11,43
